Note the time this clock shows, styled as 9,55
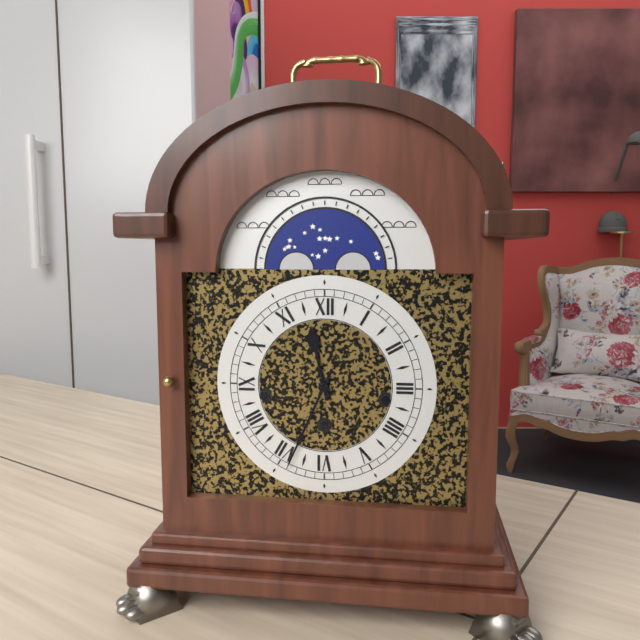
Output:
11,34
